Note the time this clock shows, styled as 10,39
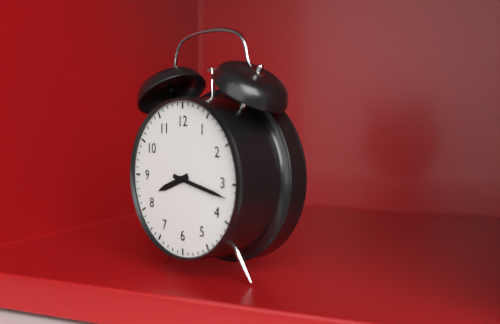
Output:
8,17
